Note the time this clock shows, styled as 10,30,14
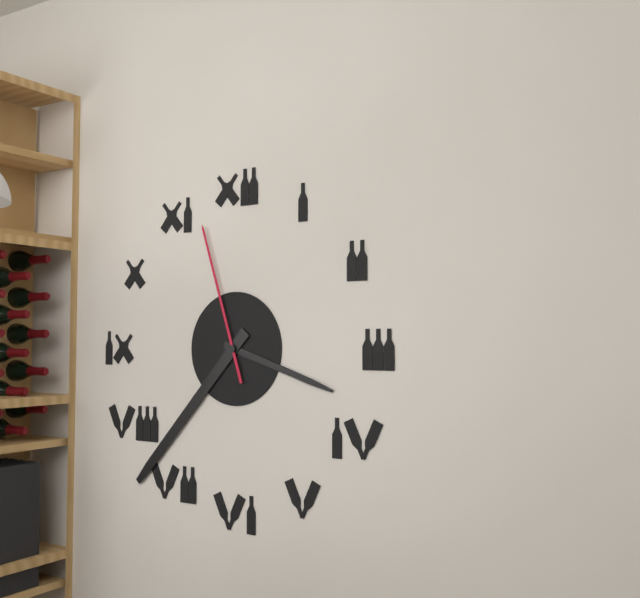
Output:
3,37,57
